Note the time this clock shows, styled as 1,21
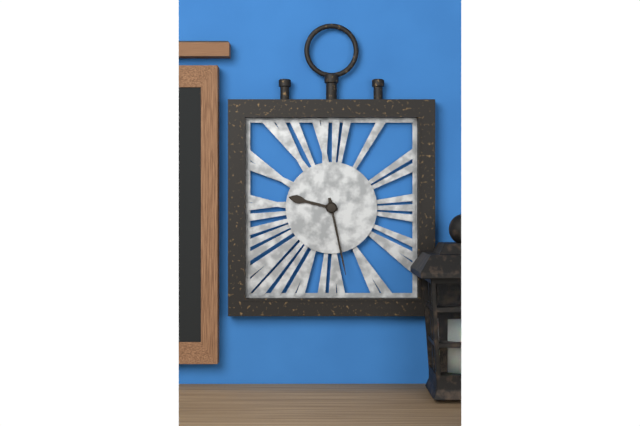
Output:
9,28
